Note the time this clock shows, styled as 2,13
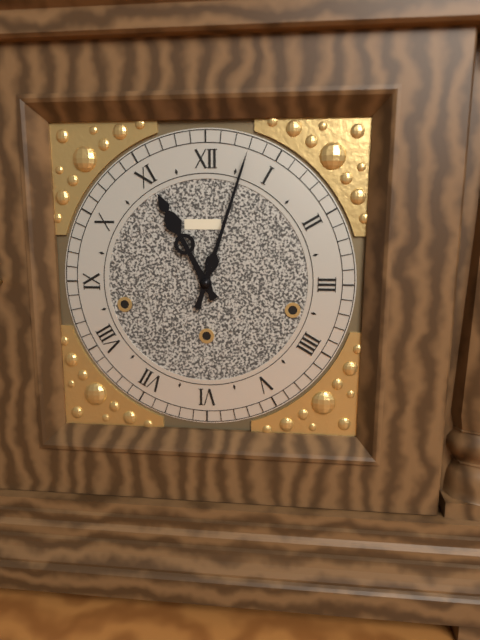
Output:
11,03
